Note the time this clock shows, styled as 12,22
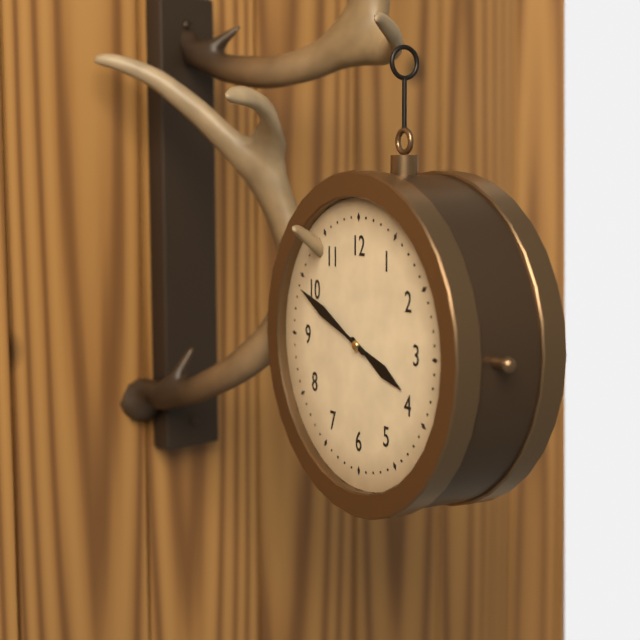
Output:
3,49
